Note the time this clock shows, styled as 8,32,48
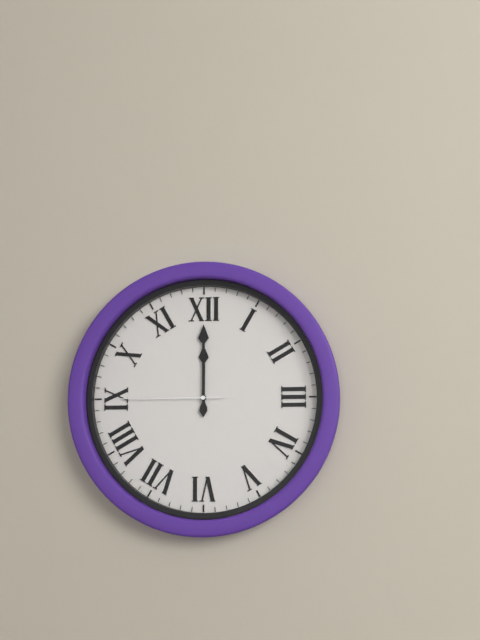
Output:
12,00,45
